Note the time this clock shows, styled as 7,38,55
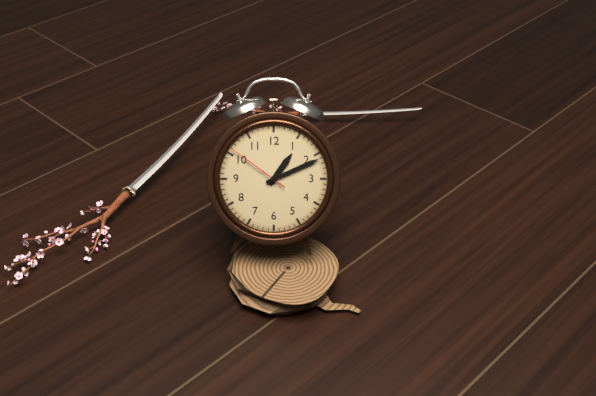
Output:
1,11,51
